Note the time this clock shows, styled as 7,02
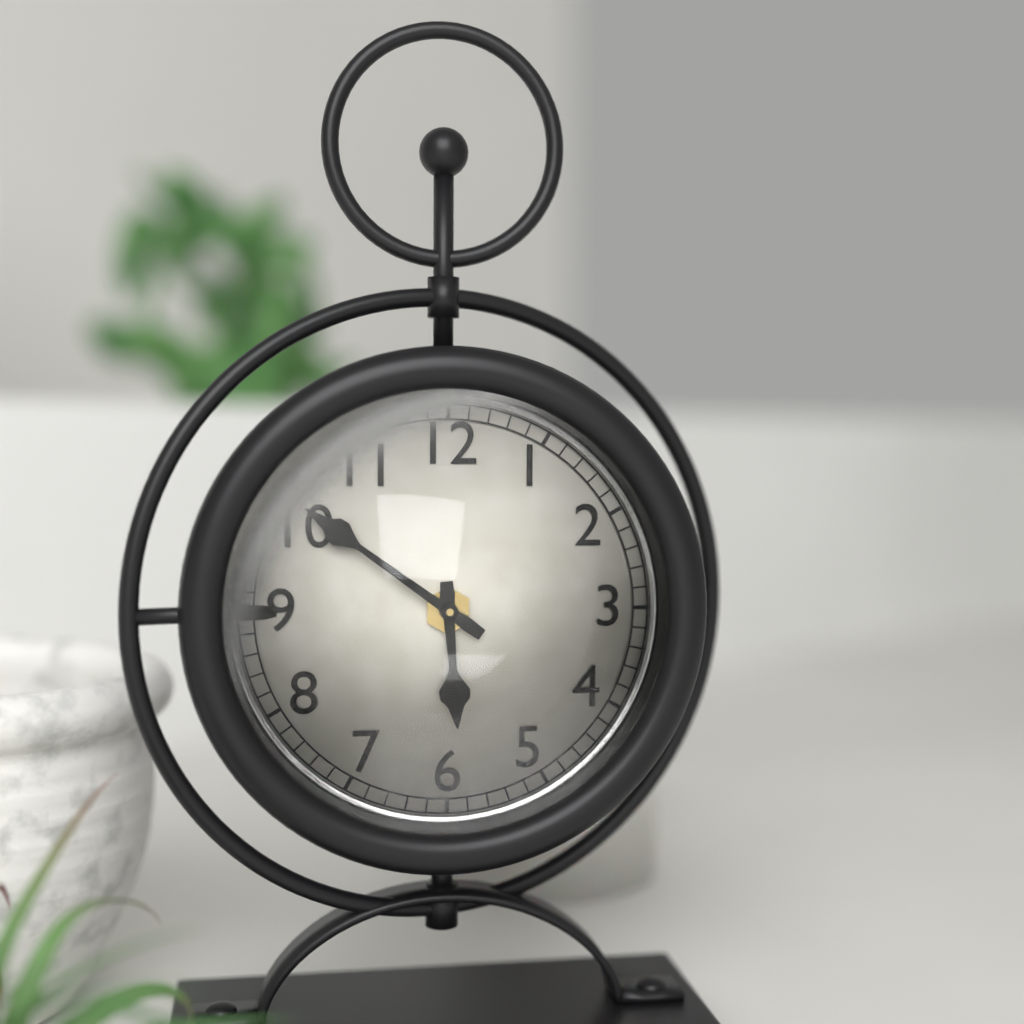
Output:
5,51
